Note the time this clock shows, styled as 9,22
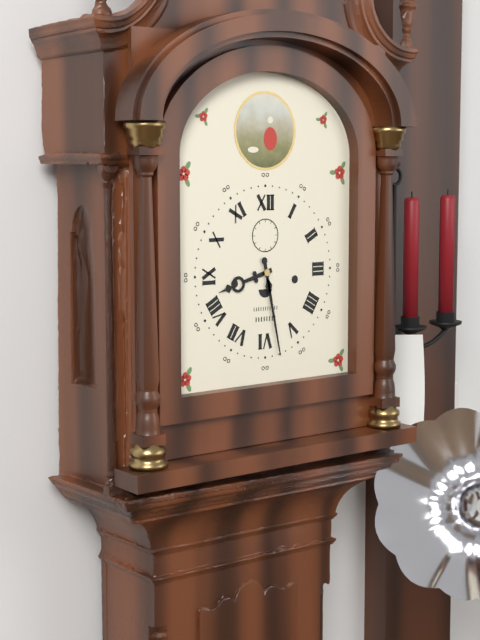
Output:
8,28
